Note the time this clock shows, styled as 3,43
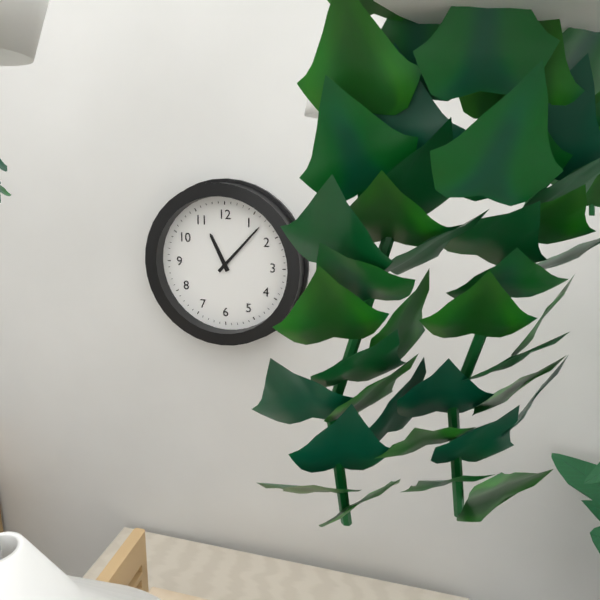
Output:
11,07
